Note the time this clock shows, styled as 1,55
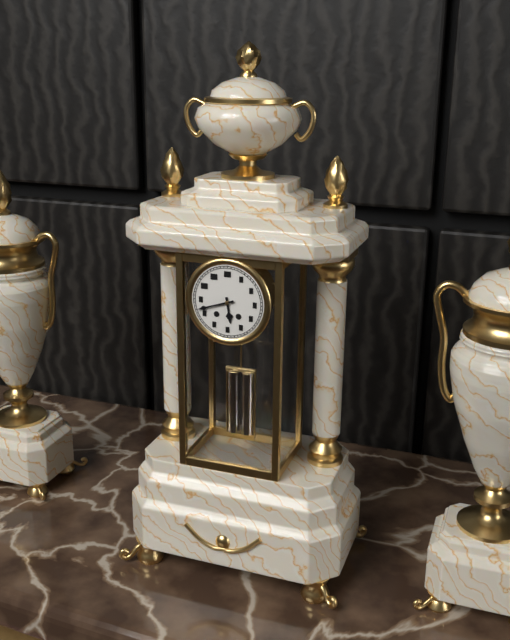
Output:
5,42
